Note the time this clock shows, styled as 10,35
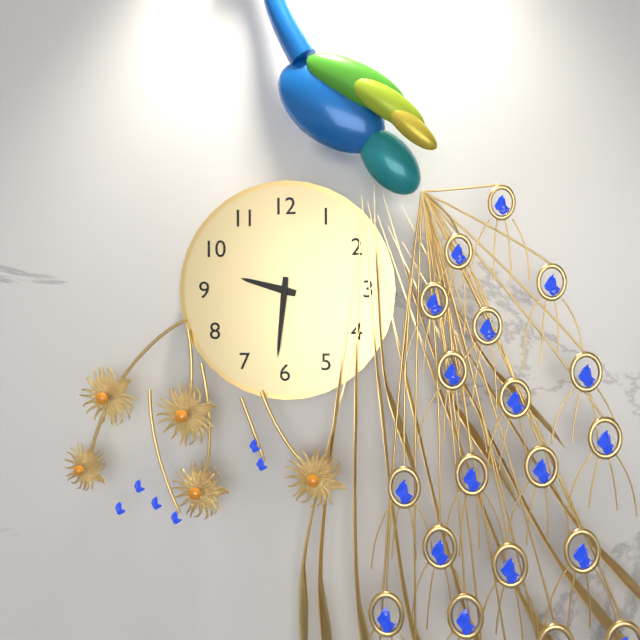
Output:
9,31
